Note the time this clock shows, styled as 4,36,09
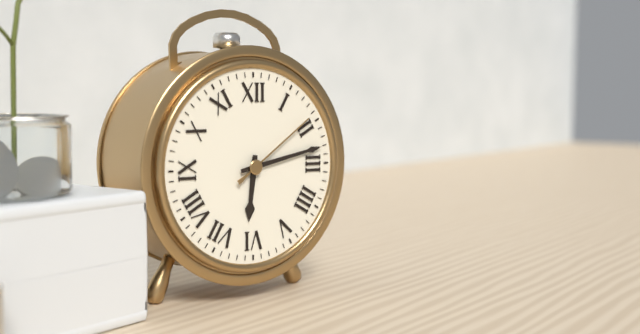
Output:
6,13,09
